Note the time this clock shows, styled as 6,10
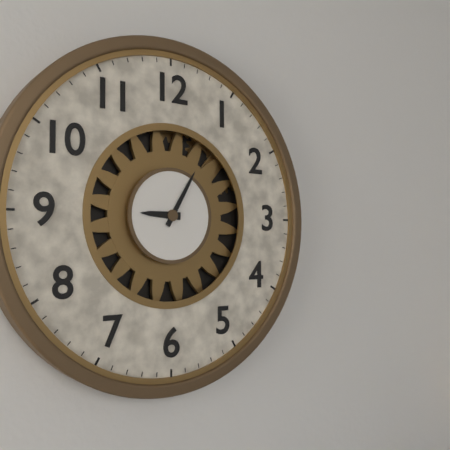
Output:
9,05
